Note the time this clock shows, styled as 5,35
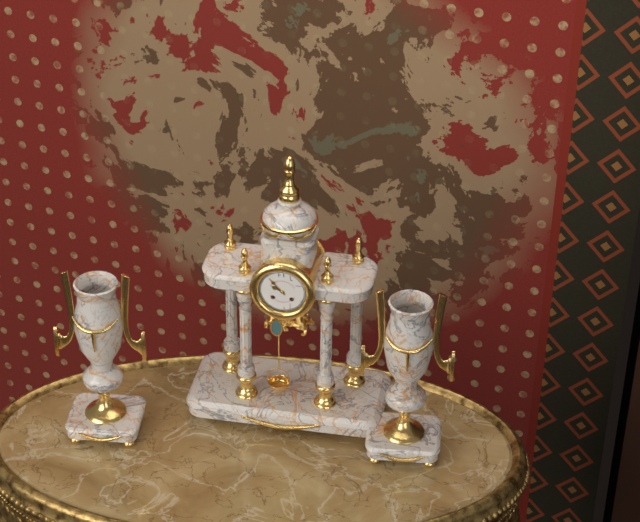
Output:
9,53
